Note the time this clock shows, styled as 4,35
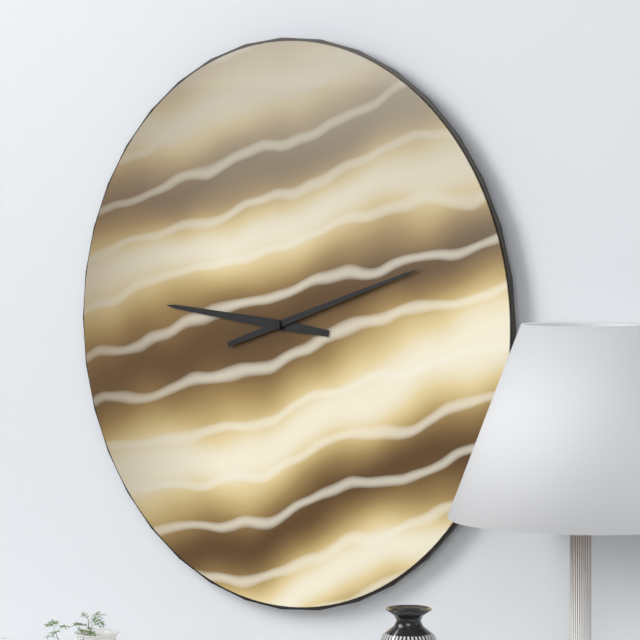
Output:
9,12
